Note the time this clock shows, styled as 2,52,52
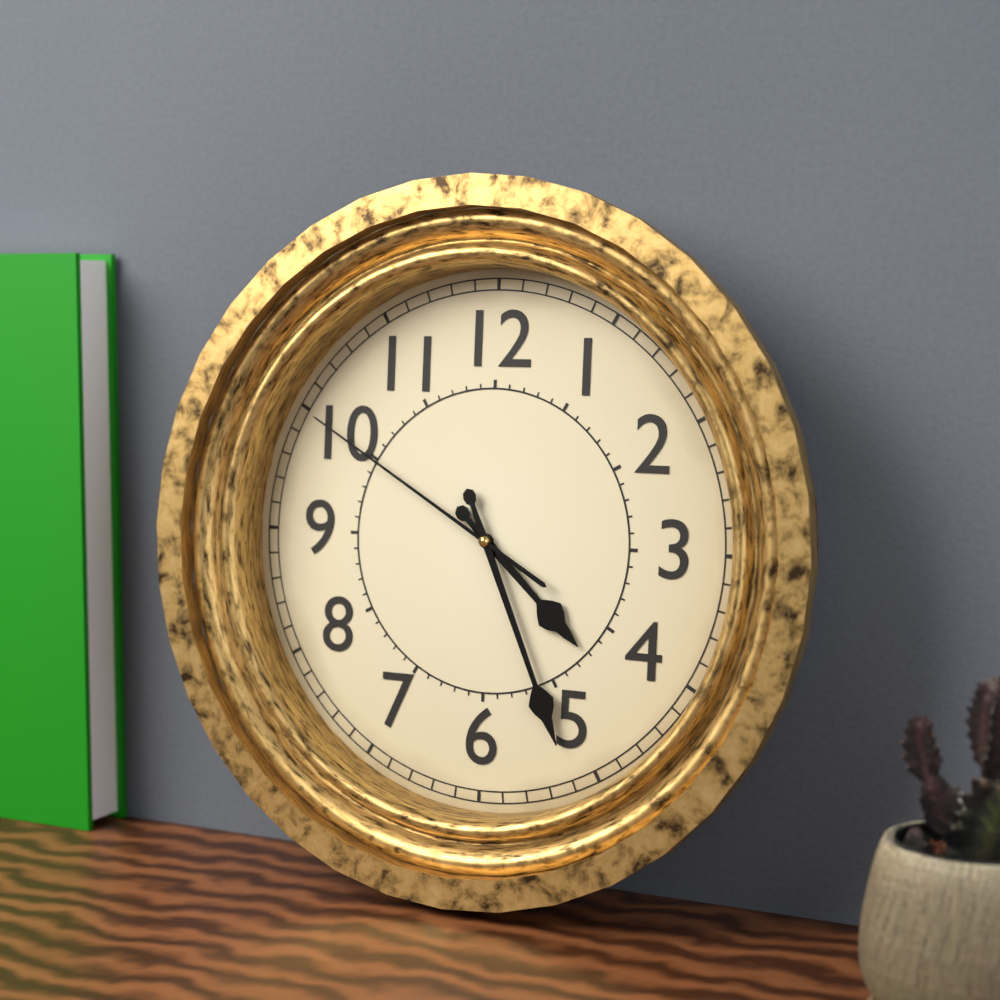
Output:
4,26,50
